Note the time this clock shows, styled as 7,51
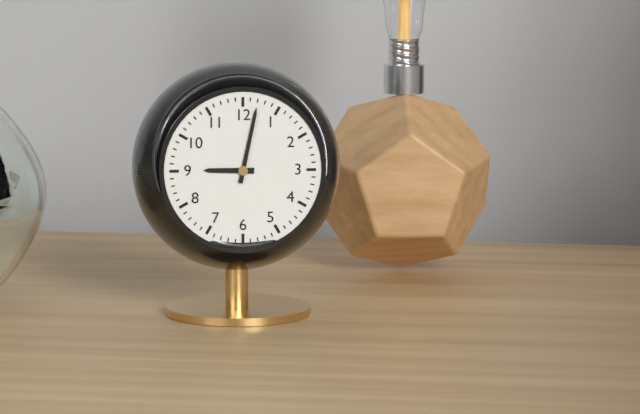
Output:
9,02
